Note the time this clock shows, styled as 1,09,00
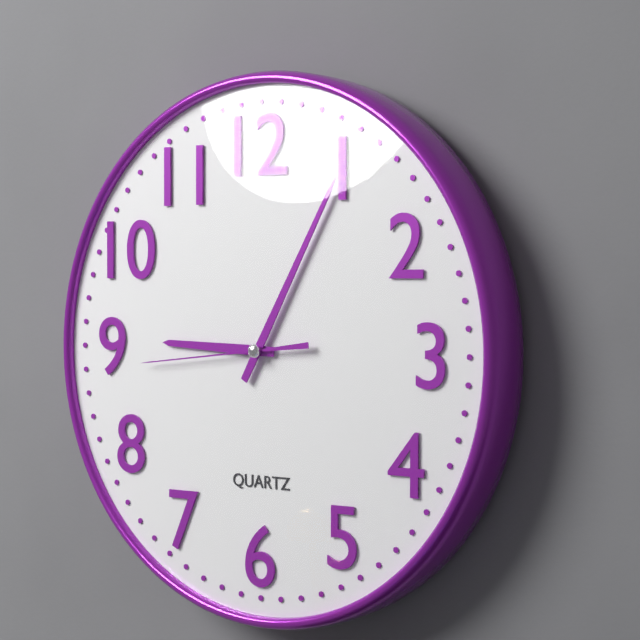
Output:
9,05,44
